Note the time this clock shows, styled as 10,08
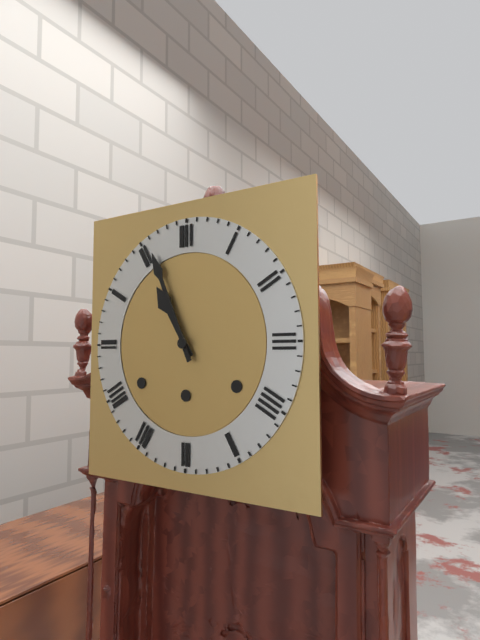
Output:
10,56
